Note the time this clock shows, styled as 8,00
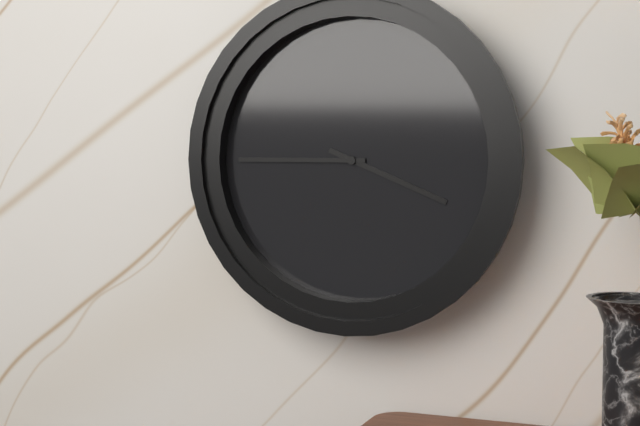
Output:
3,45
